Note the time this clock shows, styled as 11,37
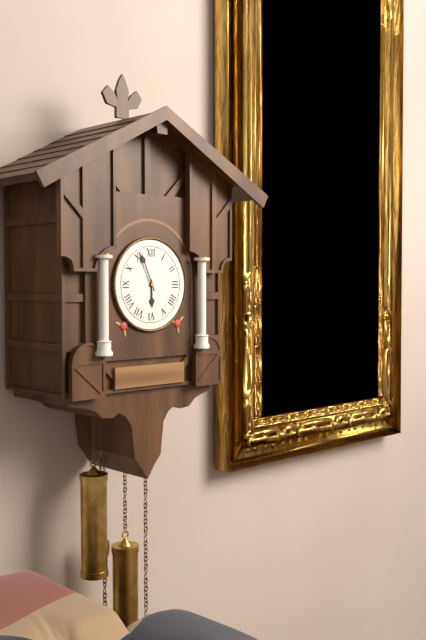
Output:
5,56
